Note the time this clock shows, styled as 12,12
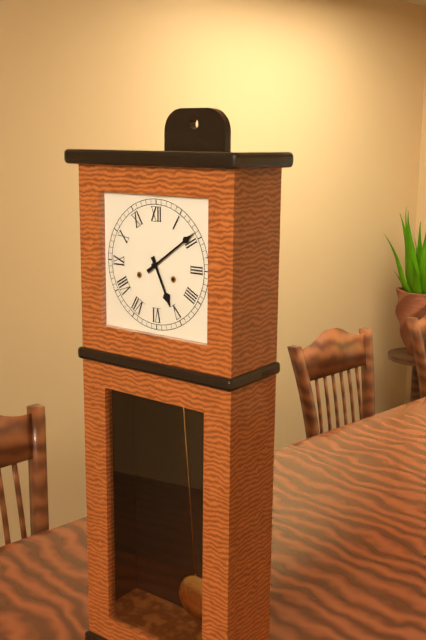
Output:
5,09
